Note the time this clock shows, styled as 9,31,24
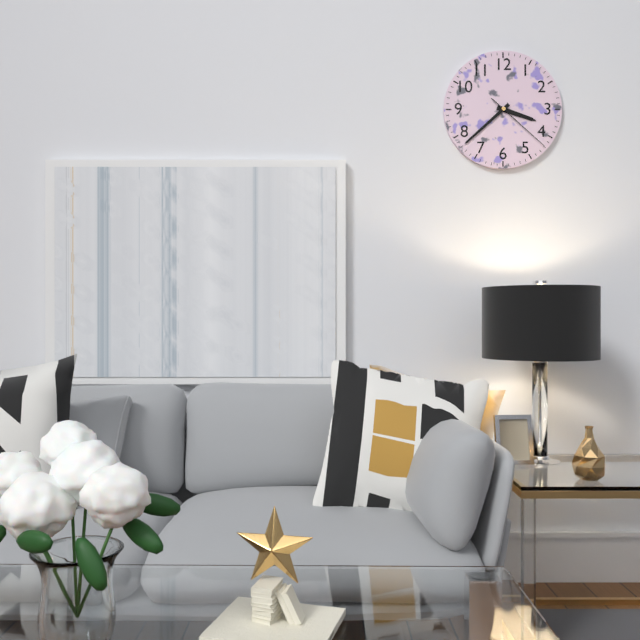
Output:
3,38,22
